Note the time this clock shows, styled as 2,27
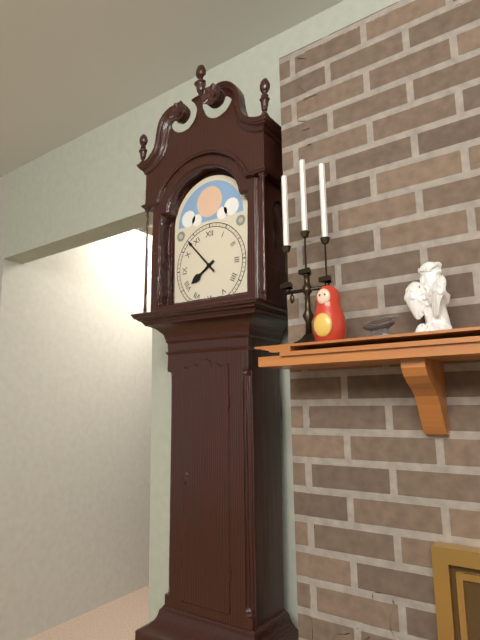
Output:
7,53
